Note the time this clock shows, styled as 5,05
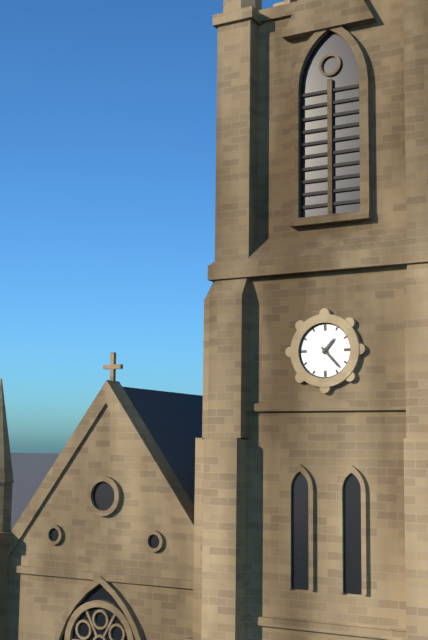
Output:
1,23
